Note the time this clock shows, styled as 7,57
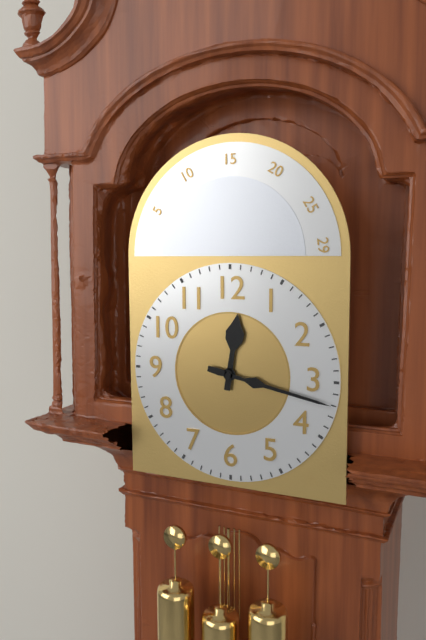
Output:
12,17
